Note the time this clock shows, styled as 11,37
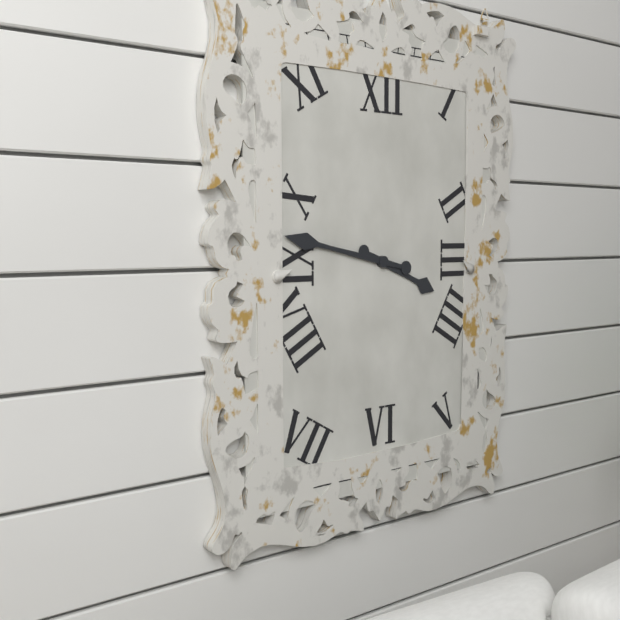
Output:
3,47
